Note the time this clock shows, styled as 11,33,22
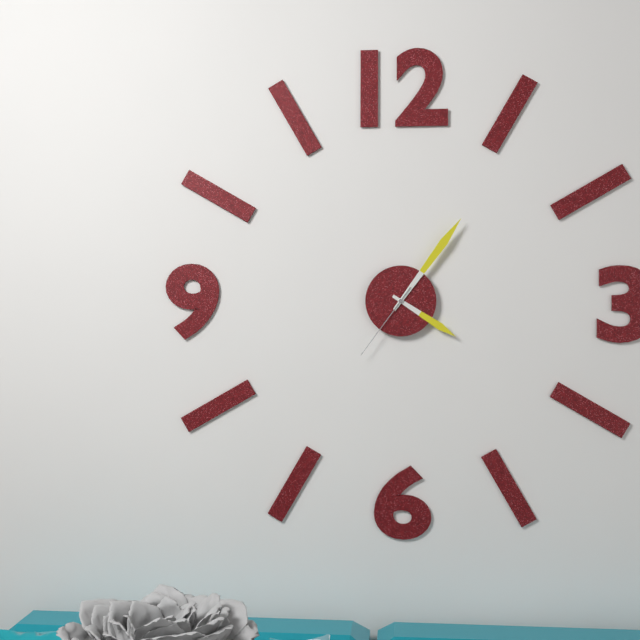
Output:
4,06,36
